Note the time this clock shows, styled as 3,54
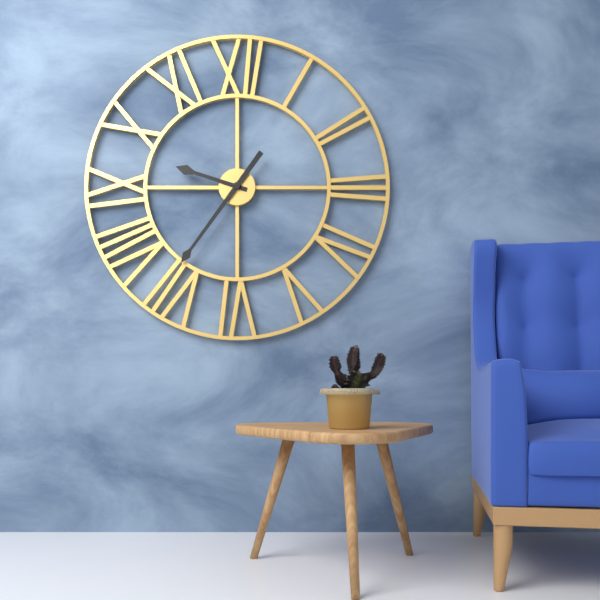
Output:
9,36
